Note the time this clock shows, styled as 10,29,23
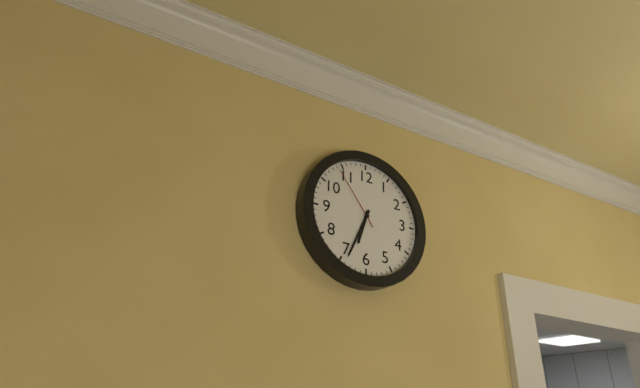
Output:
6,34,54
